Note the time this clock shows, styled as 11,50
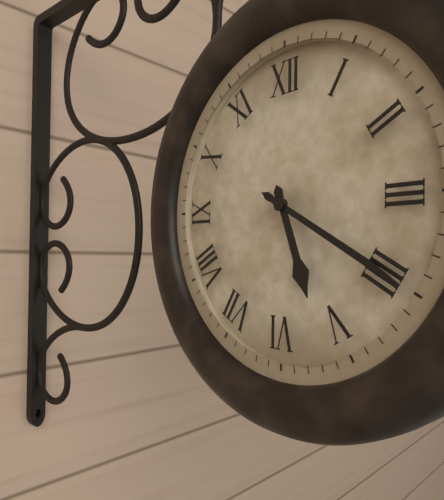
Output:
5,20
